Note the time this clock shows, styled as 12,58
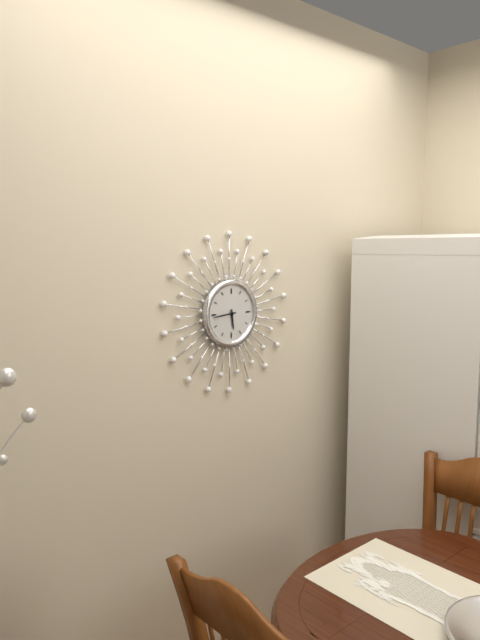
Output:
5,44
